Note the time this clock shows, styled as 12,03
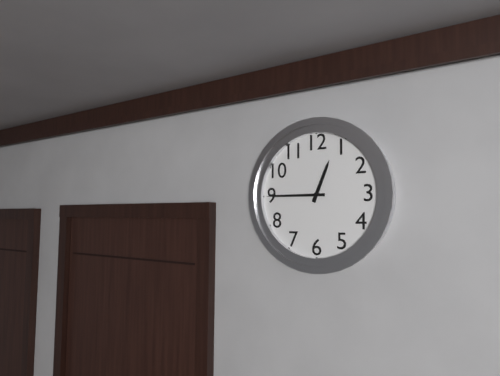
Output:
12,45
